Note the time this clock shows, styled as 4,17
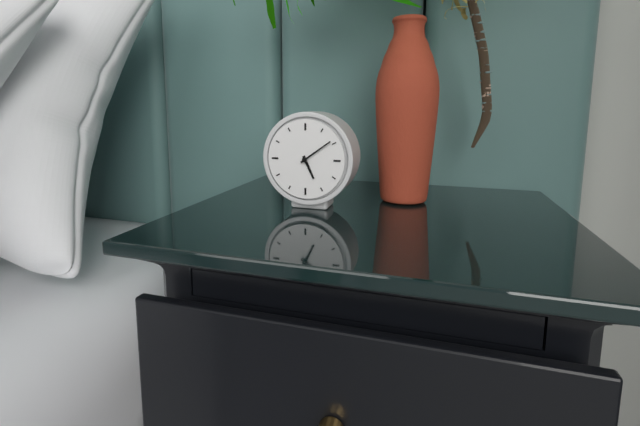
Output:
5,09
